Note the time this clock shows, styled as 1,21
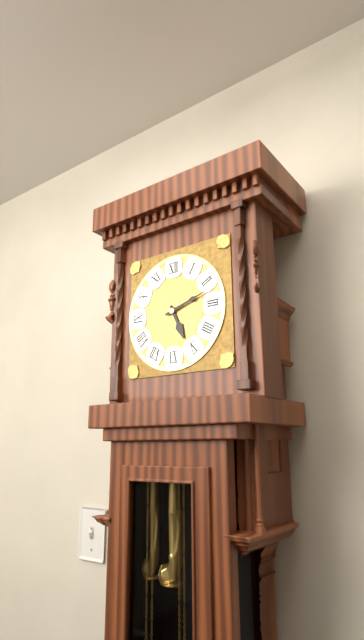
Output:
5,12
